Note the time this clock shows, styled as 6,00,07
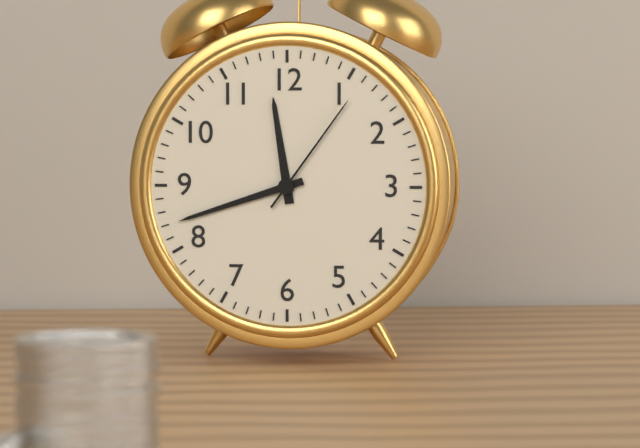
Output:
11,42,06
